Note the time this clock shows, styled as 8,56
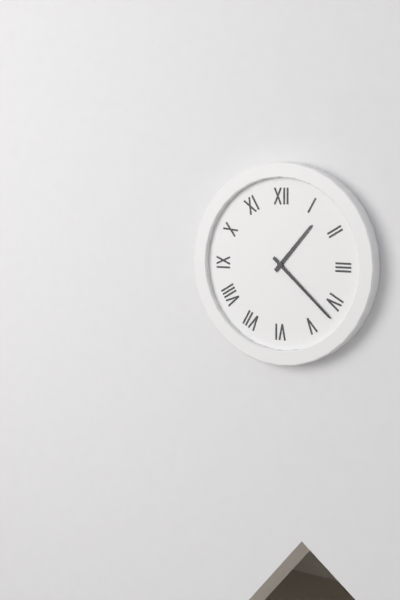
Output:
1,22
